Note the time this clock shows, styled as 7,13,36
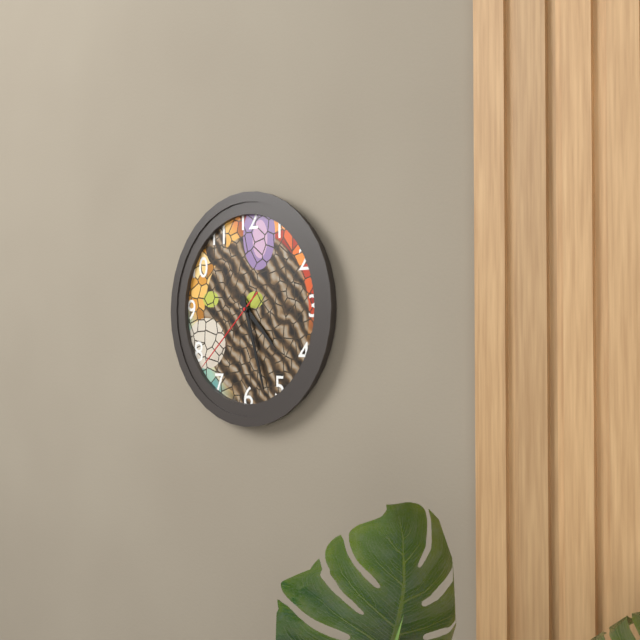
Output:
4,27,38
